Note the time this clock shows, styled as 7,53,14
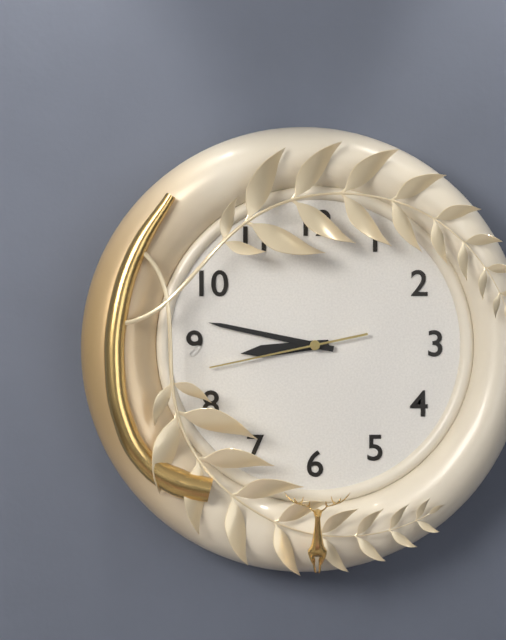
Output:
8,47,43
